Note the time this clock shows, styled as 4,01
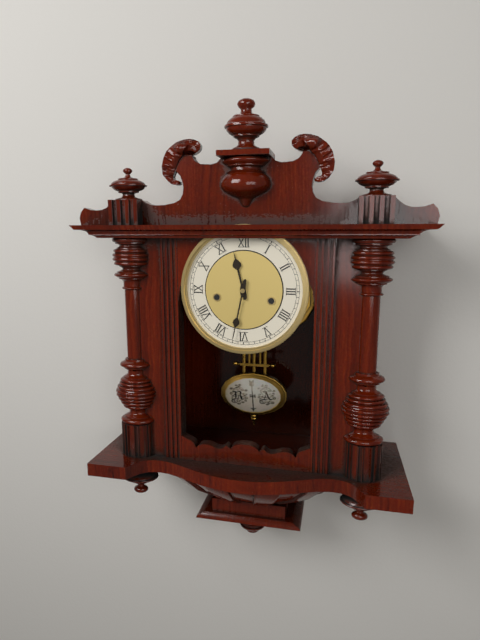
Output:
11,32
